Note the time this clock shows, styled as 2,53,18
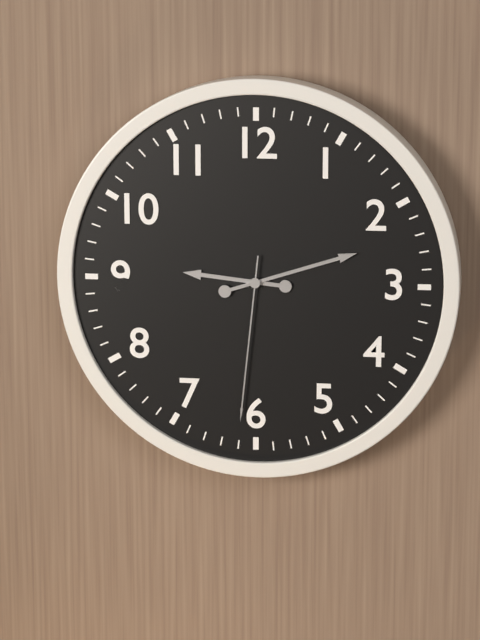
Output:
9,12,31
